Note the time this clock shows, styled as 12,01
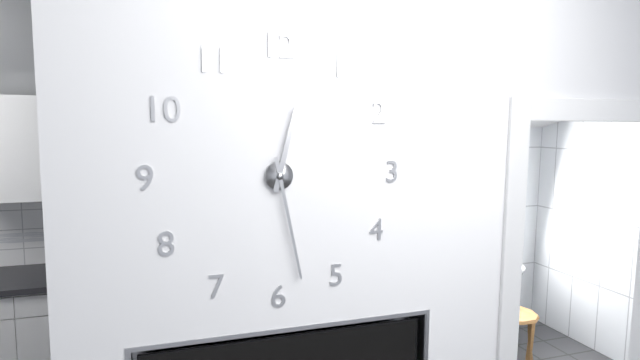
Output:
12,28
